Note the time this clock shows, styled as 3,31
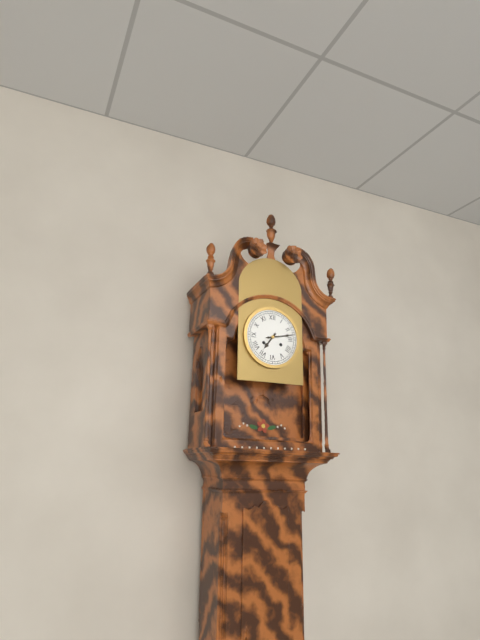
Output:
7,13
